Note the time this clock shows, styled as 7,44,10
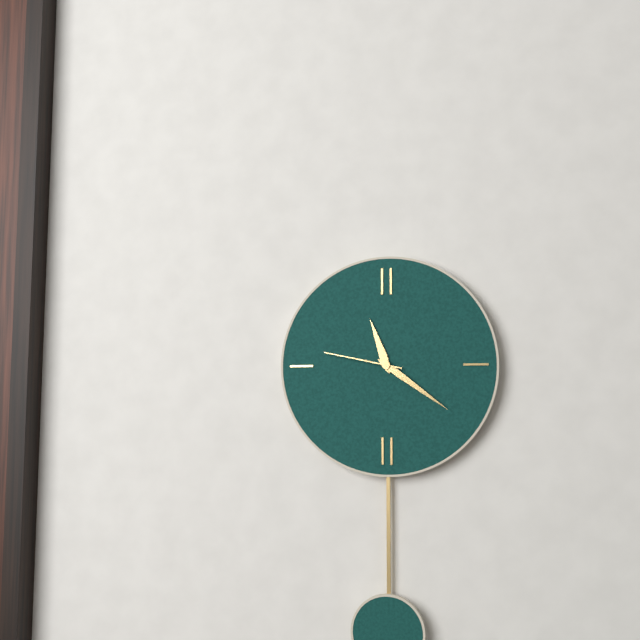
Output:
11,21,47
